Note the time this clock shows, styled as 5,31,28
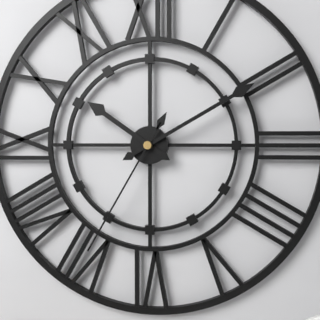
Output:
10,10,35
